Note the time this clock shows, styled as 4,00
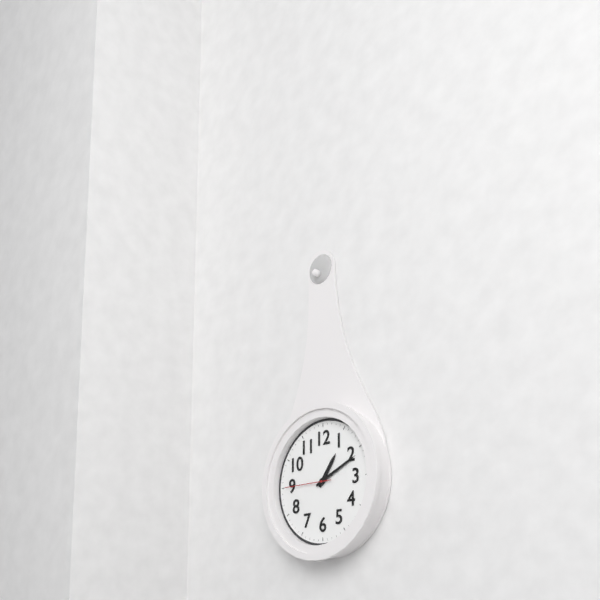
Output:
1,11
